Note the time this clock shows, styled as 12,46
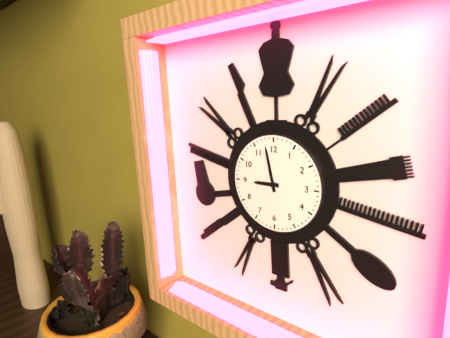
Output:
8,58
